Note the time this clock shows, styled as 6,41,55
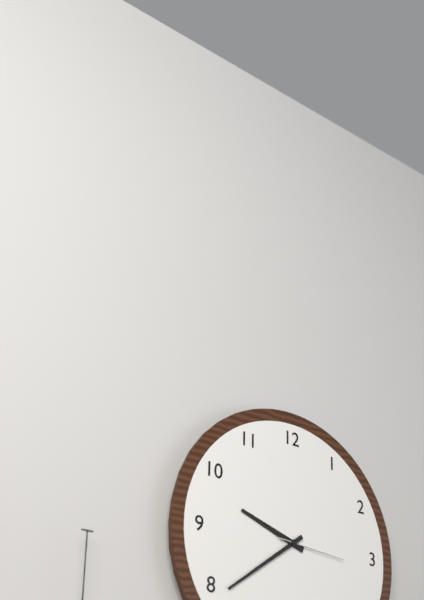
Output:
9,39,16
